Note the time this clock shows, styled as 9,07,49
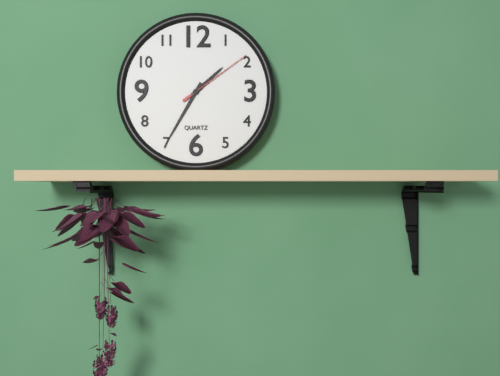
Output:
1,35,09
